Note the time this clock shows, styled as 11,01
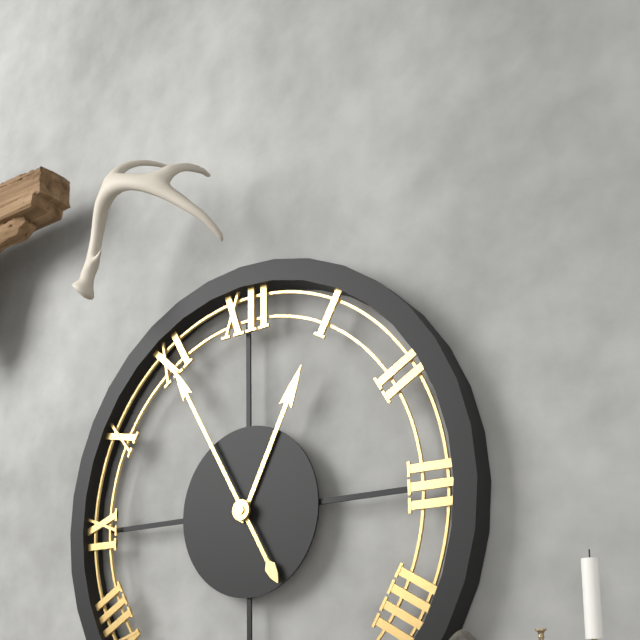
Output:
12,55
